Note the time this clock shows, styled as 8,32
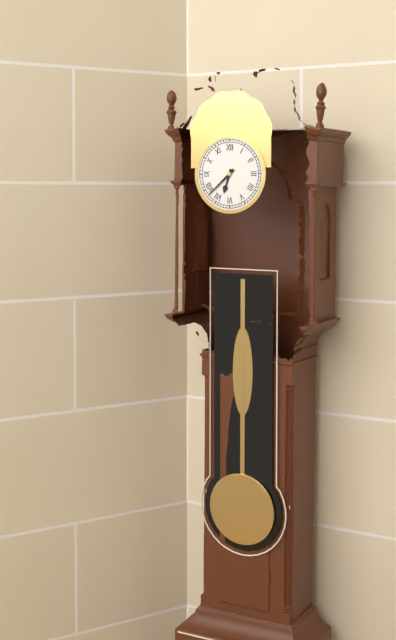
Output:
6,38
